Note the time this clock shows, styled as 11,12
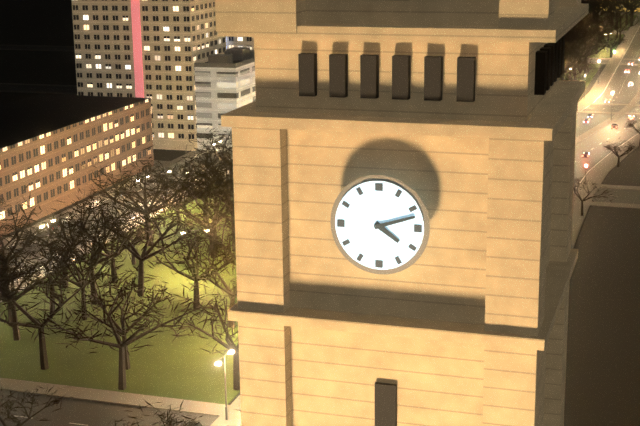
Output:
4,12
